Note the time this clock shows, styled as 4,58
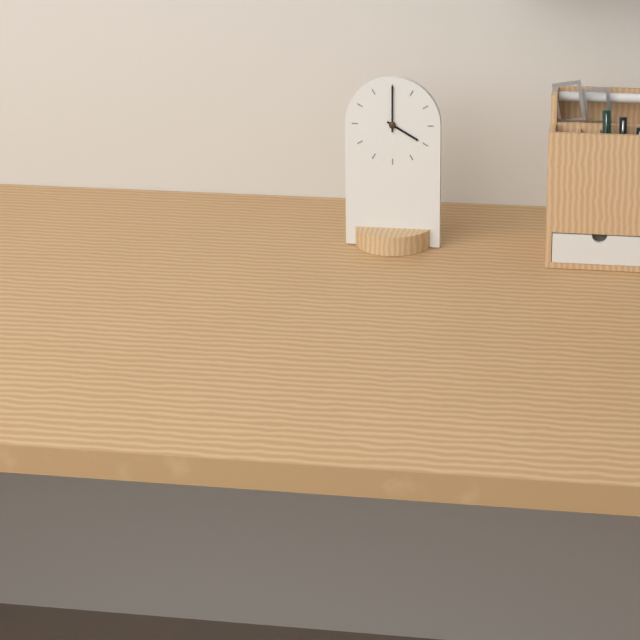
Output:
4,00
